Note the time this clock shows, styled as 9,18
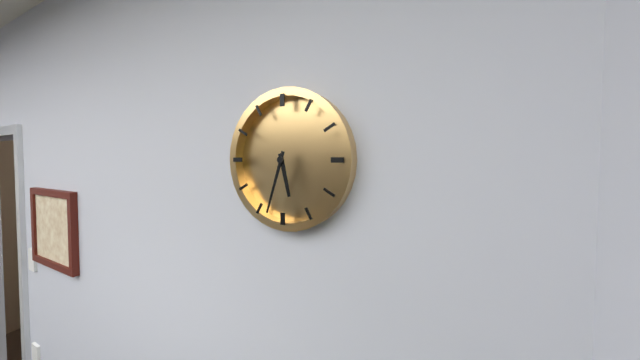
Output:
5,33
